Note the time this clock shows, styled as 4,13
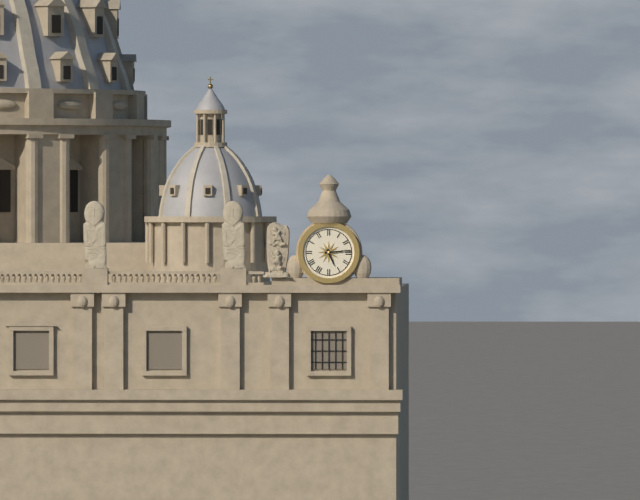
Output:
5,14
